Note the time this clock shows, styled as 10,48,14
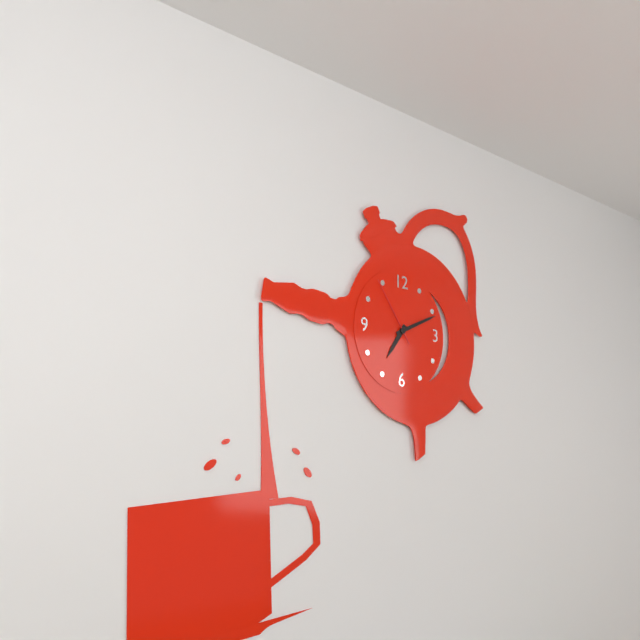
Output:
7,11,54
